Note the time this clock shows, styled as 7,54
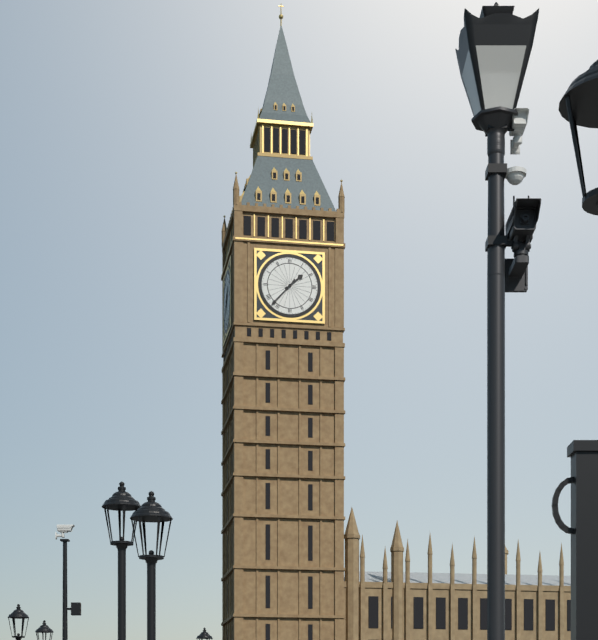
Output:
1,37
